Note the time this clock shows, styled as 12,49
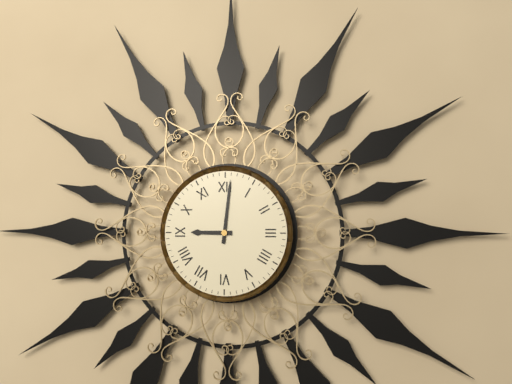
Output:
9,01
